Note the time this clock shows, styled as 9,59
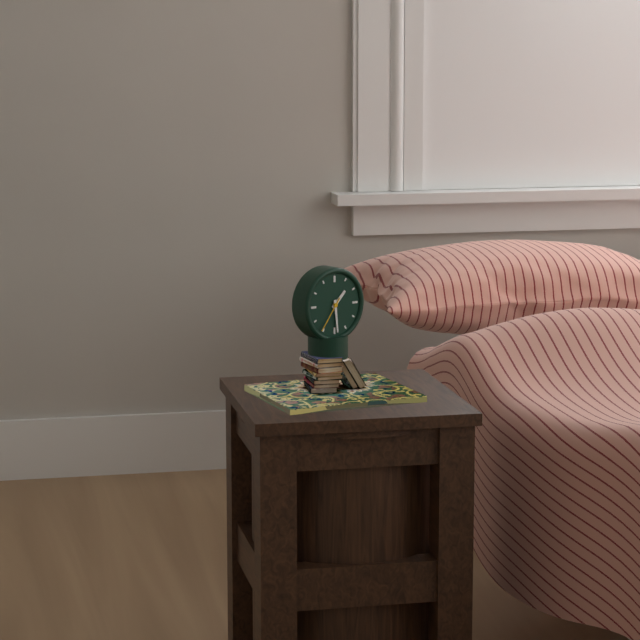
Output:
1,29
